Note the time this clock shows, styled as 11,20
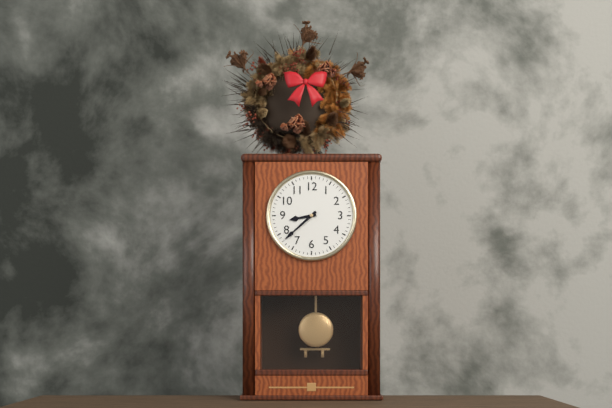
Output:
8,38
